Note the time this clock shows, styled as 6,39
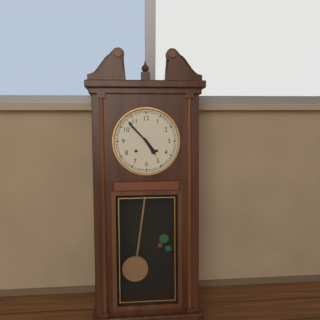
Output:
4,53
